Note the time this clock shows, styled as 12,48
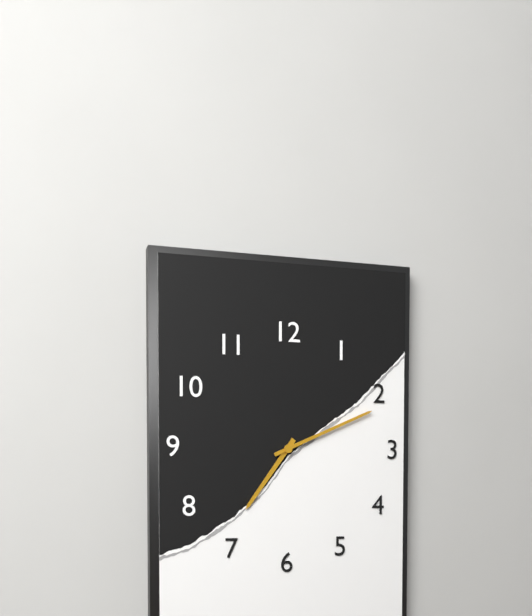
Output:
7,11
